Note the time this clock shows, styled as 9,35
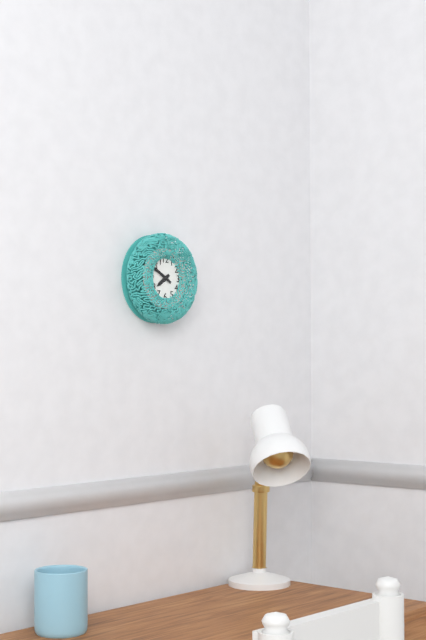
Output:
7,50
